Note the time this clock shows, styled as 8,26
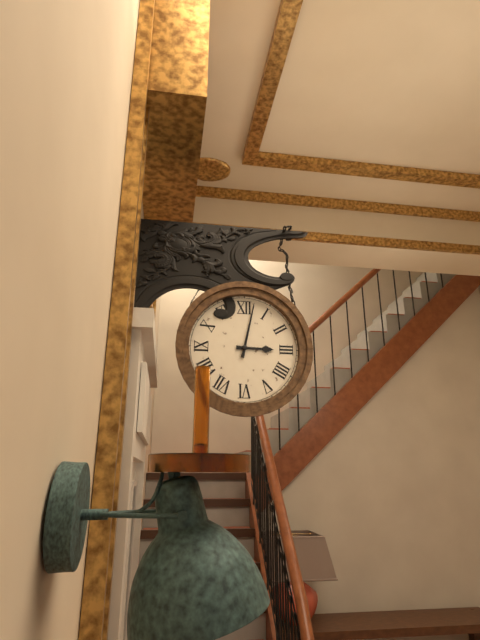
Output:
3,02
